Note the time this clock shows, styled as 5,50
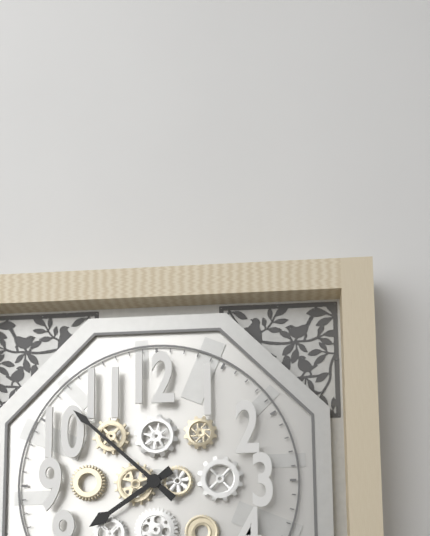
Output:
7,52
